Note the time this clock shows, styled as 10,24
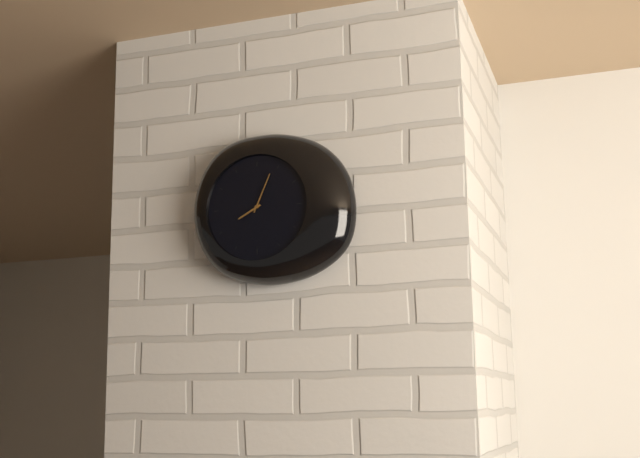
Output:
8,04
